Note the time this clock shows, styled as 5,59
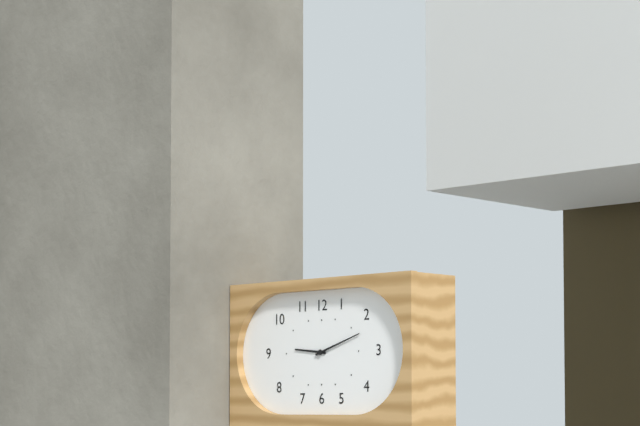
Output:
9,12
